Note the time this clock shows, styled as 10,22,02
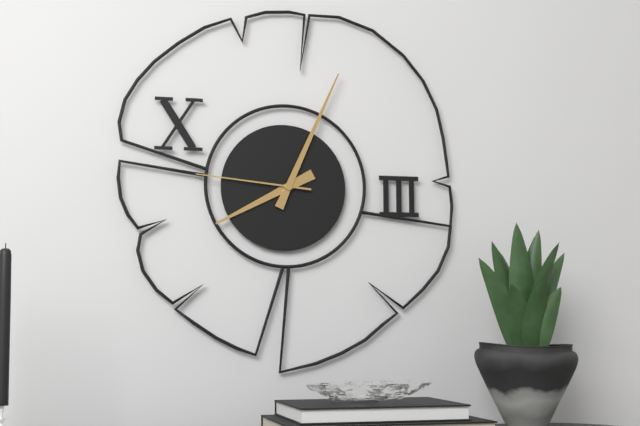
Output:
8,04,46
